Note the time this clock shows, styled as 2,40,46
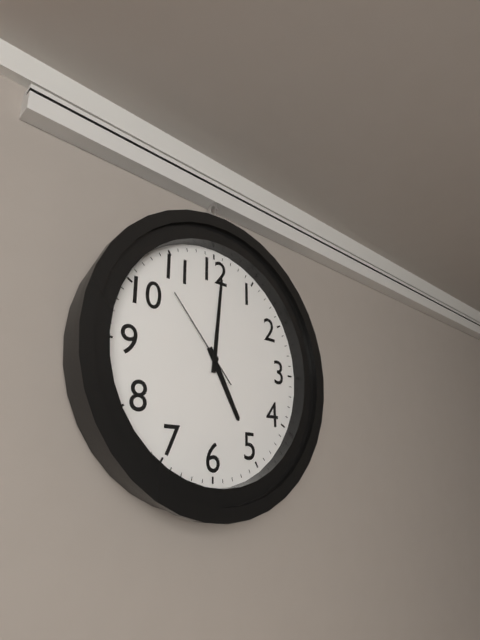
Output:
5,01,53
